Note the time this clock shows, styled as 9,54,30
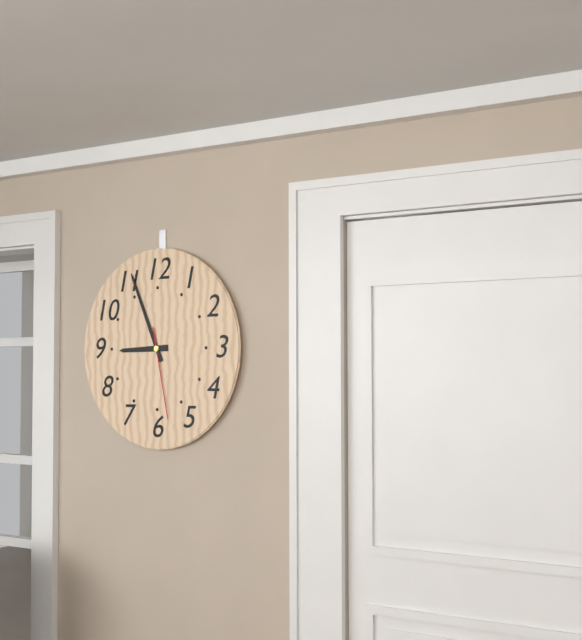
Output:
8,56,28
